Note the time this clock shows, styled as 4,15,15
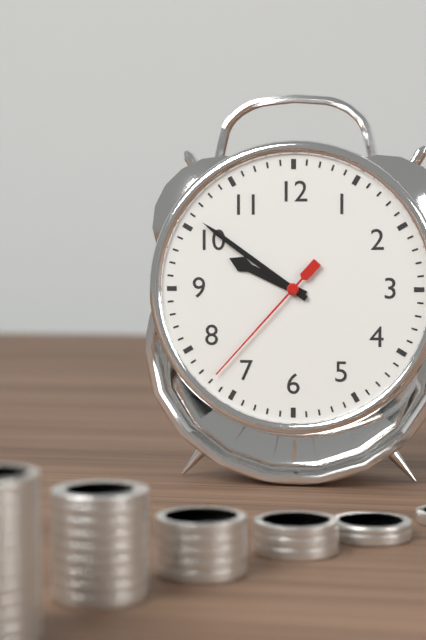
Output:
9,51,37
